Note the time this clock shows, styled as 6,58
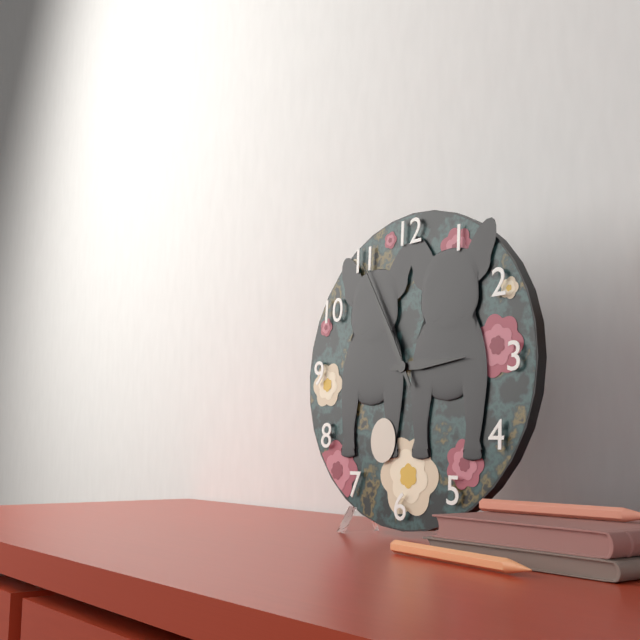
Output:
2,55
